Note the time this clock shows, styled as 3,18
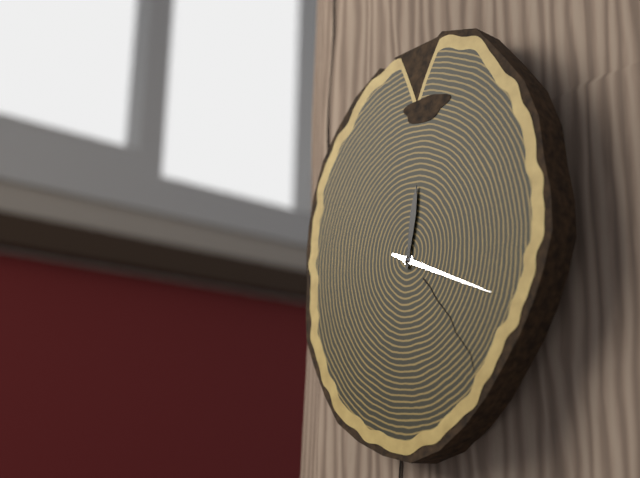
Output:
12,19
